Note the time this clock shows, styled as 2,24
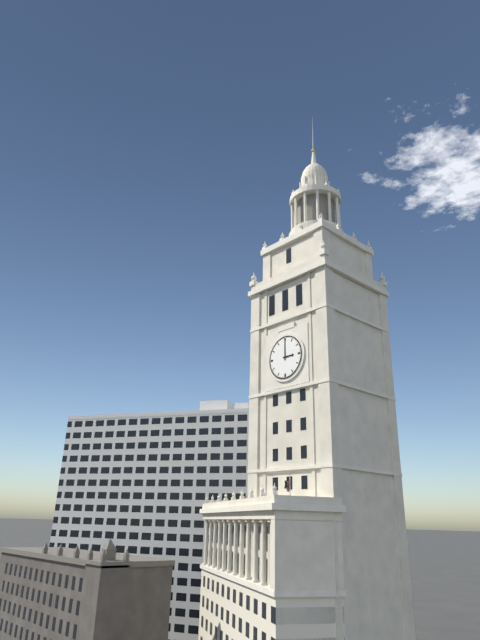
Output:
3,00
